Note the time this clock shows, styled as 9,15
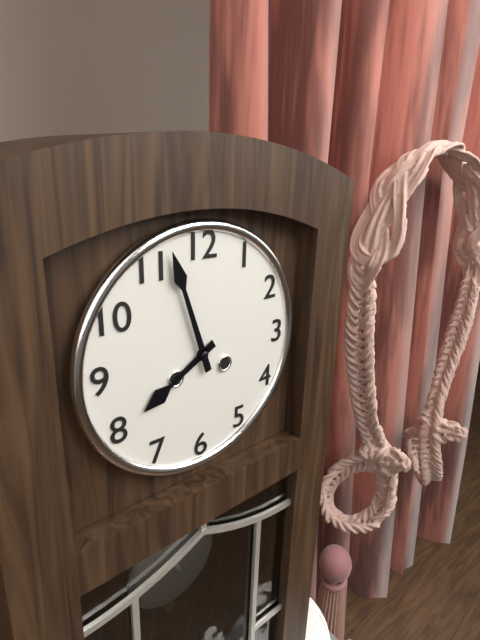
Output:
7,57
